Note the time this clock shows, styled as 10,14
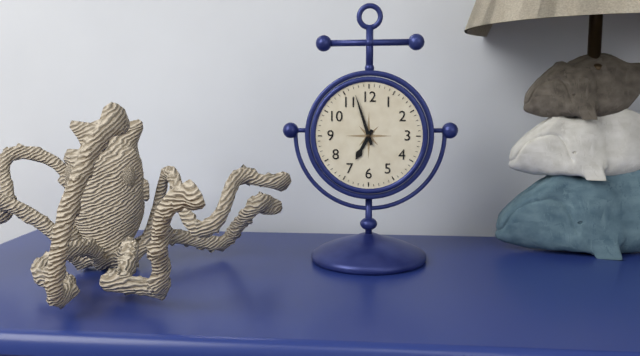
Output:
6,57
